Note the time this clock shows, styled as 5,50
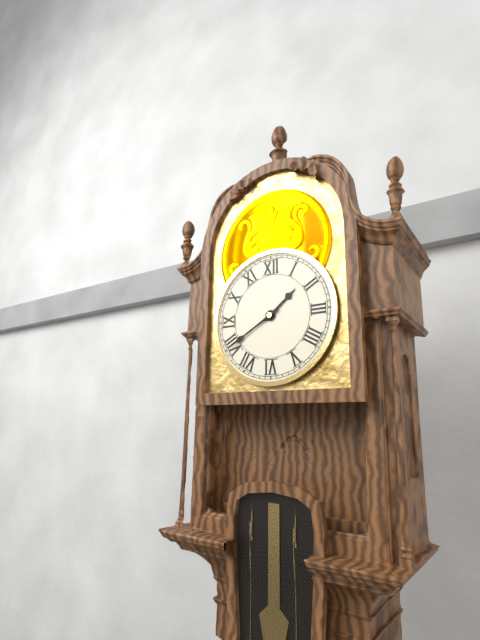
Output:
1,40
